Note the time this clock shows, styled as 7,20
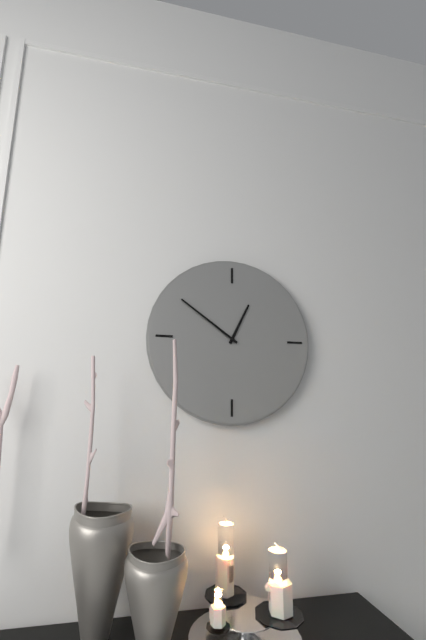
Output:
12,51
